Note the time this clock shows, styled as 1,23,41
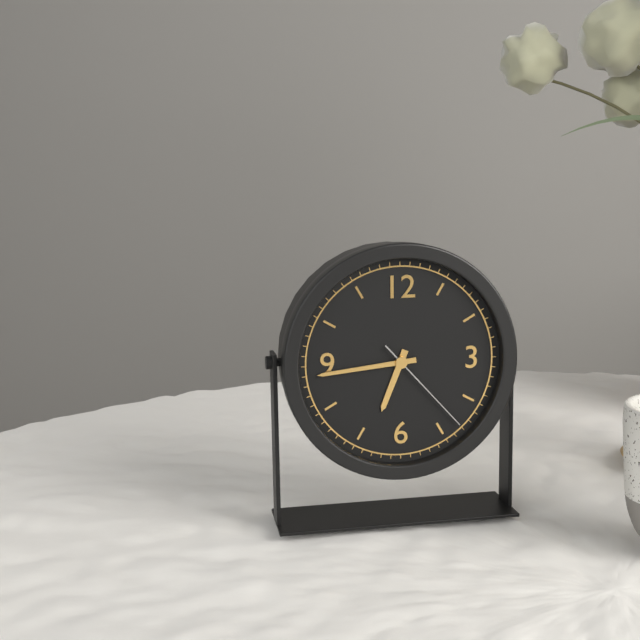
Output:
6,44,23
